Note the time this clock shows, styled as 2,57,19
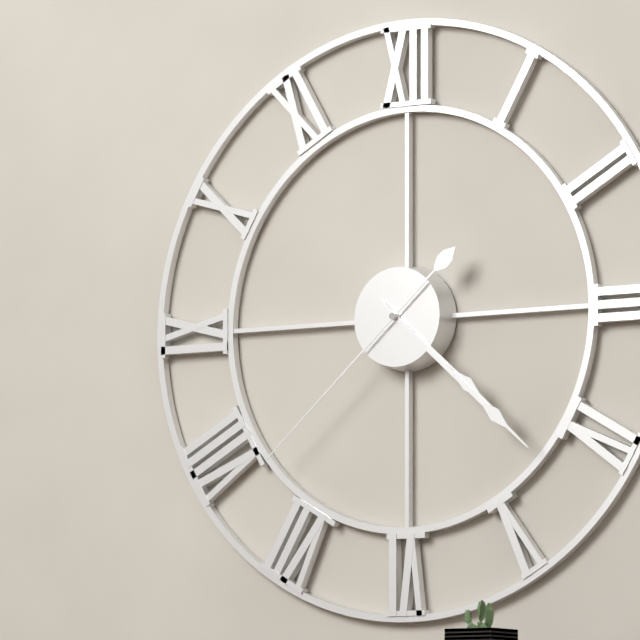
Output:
4,22,38
